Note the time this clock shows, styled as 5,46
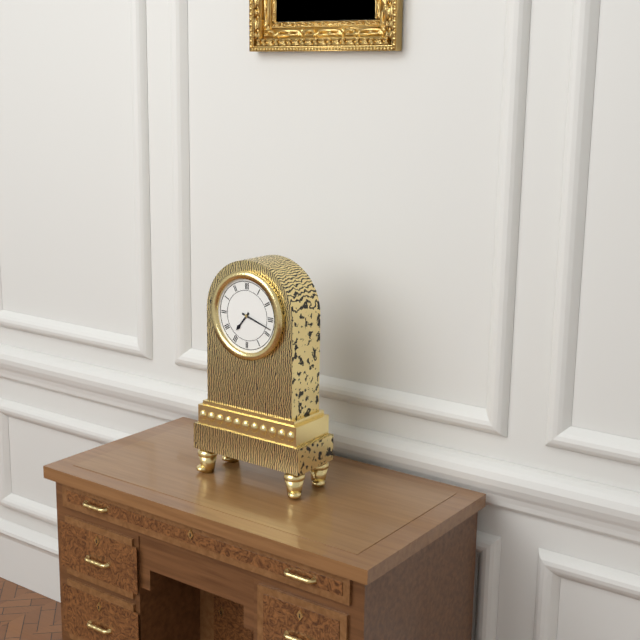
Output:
7,18
